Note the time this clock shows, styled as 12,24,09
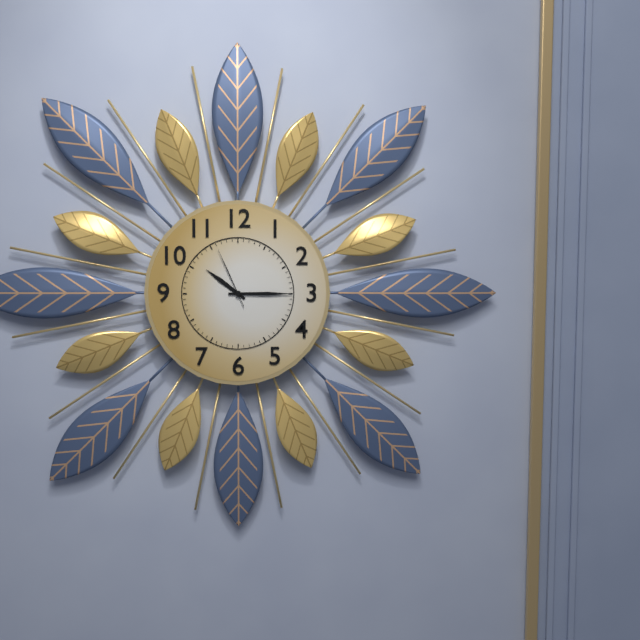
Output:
10,15,56
